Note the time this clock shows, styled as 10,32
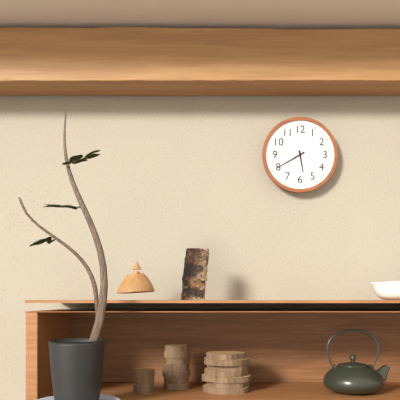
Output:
5,40
